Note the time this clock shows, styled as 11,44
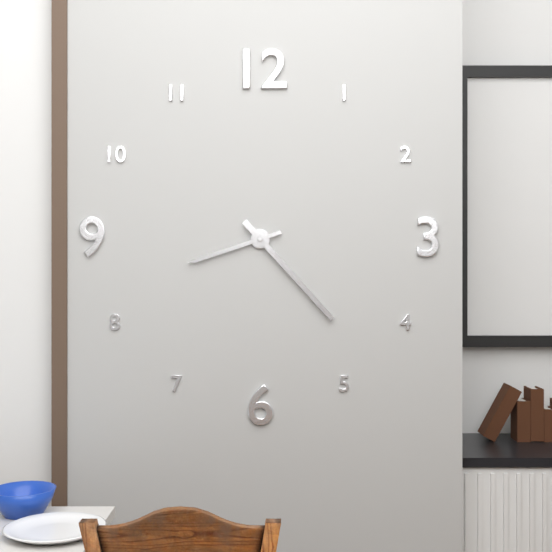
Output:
8,23
